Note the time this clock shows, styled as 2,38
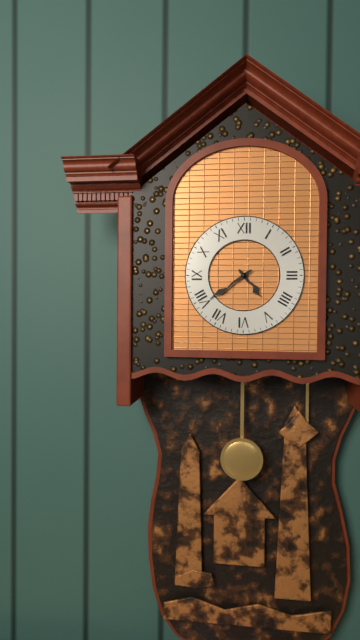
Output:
4,39
